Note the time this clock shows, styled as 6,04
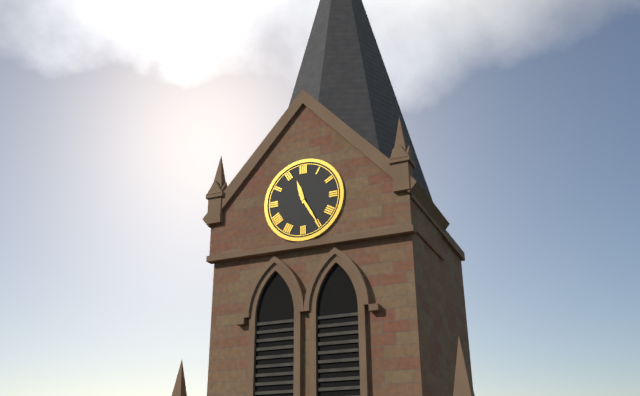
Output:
11,25
